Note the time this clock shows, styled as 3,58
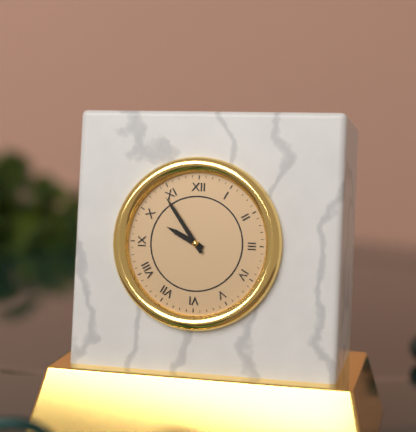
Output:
9,54
